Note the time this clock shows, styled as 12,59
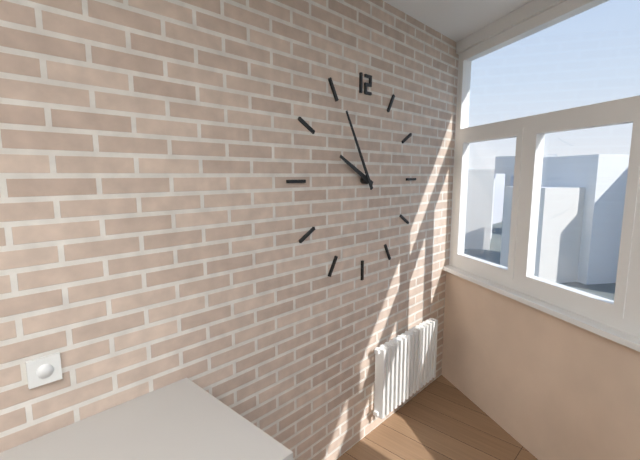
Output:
9,55
